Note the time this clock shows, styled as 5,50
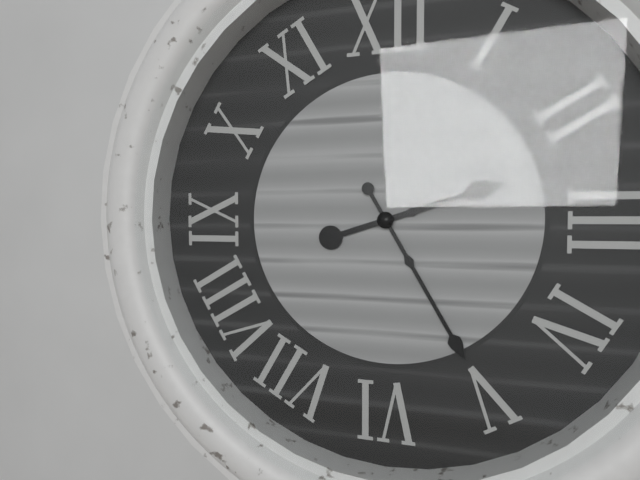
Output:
2,25
